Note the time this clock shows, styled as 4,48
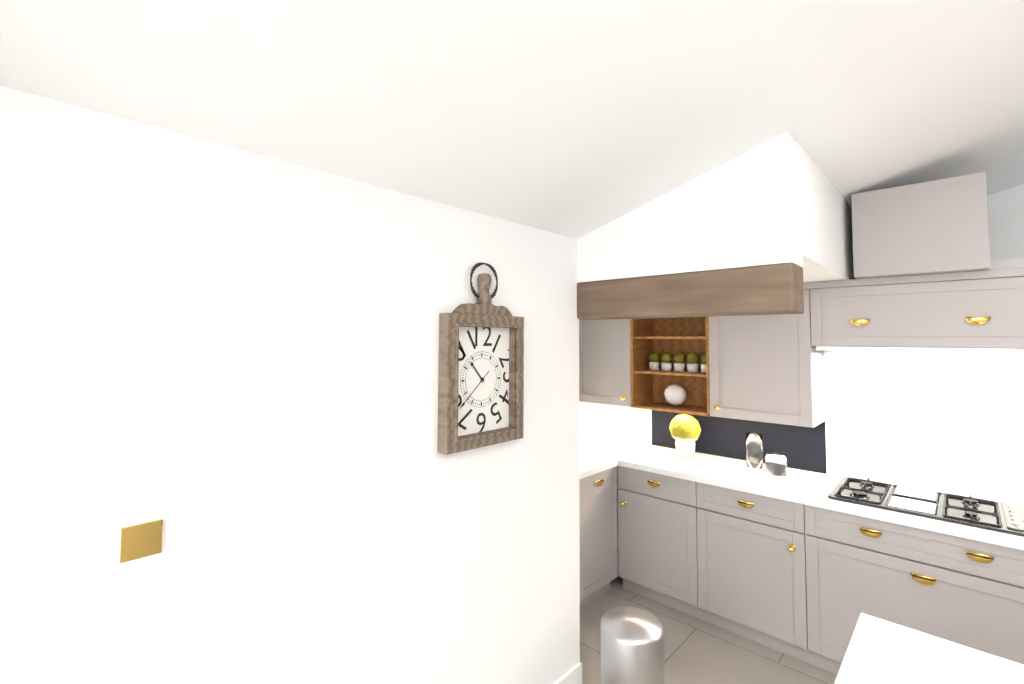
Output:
10,38
